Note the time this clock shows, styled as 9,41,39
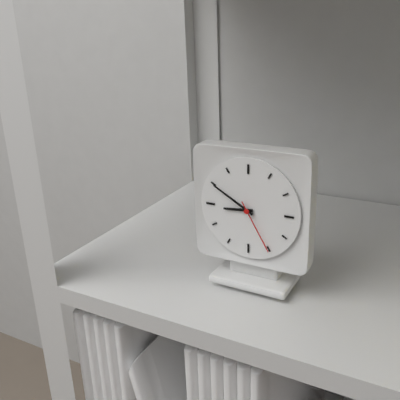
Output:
8,50,25
